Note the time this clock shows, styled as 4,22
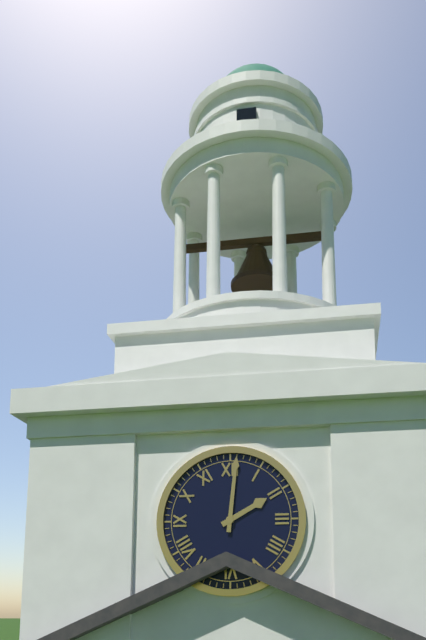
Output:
2,01
